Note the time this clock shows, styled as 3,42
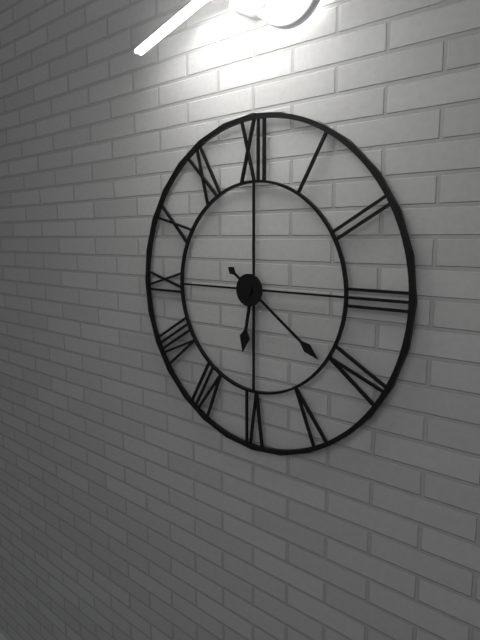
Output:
6,21
